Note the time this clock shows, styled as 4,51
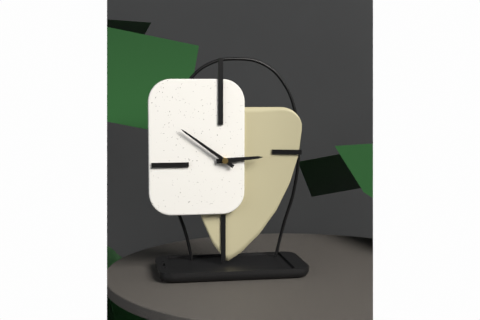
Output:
2,51
